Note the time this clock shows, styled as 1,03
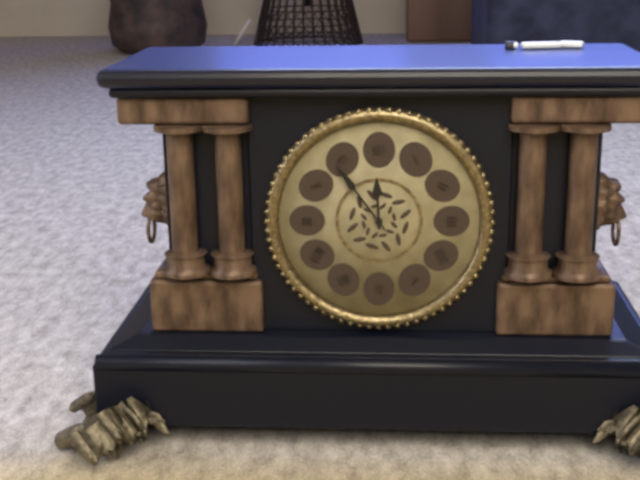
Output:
11,54
